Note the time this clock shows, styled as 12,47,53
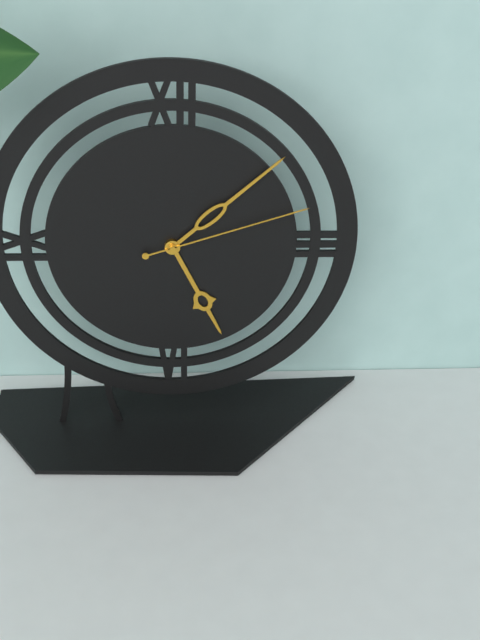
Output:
5,08,12
